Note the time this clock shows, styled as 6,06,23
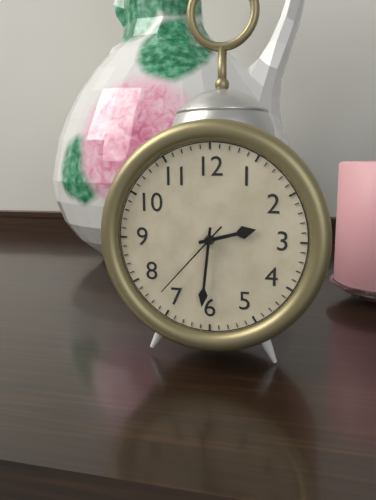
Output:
2,31,37
